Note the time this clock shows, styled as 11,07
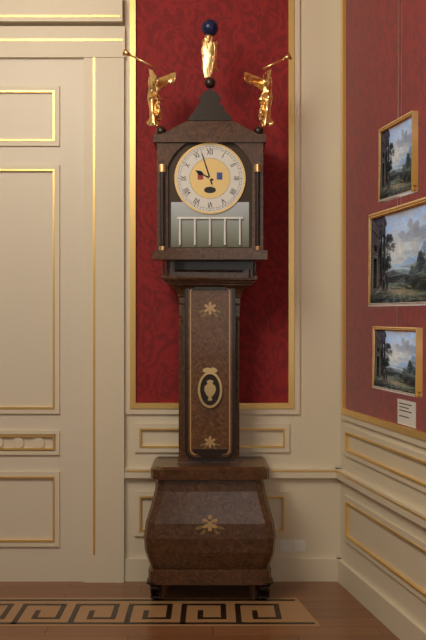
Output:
9,57
